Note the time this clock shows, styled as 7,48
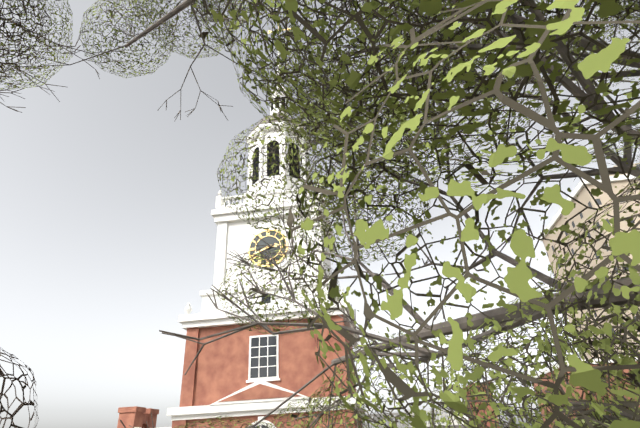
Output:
2,41
